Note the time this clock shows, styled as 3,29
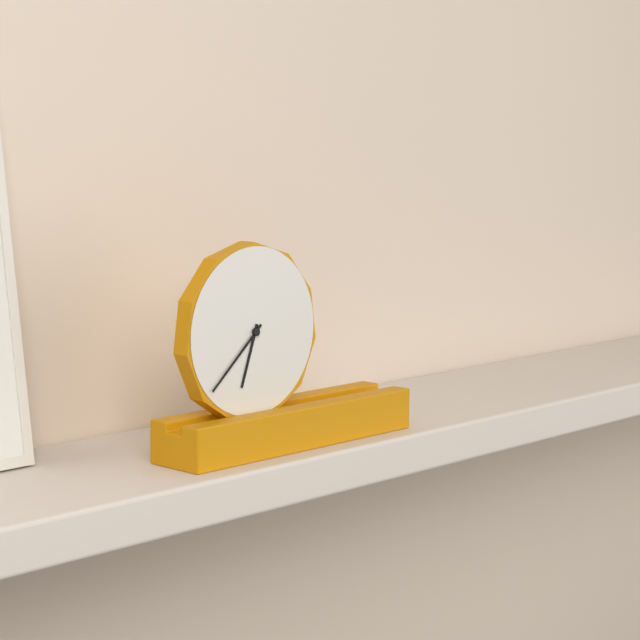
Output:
6,38
